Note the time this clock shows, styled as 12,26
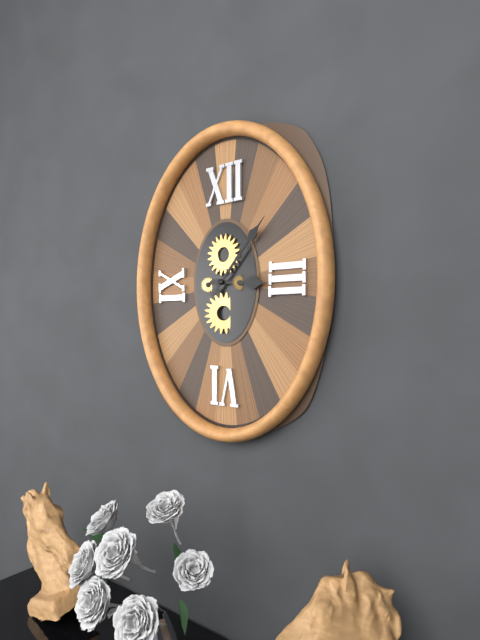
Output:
3,07
